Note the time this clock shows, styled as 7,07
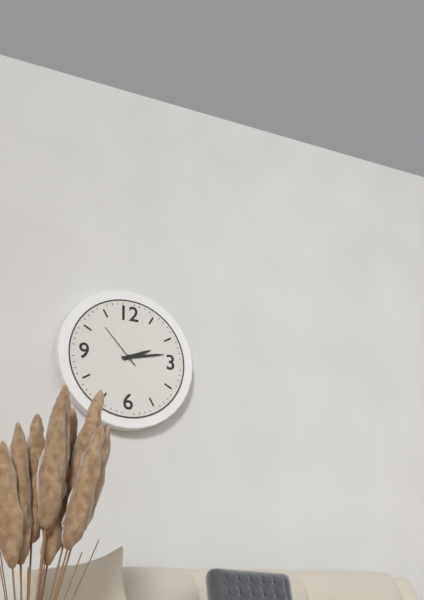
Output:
2,13
